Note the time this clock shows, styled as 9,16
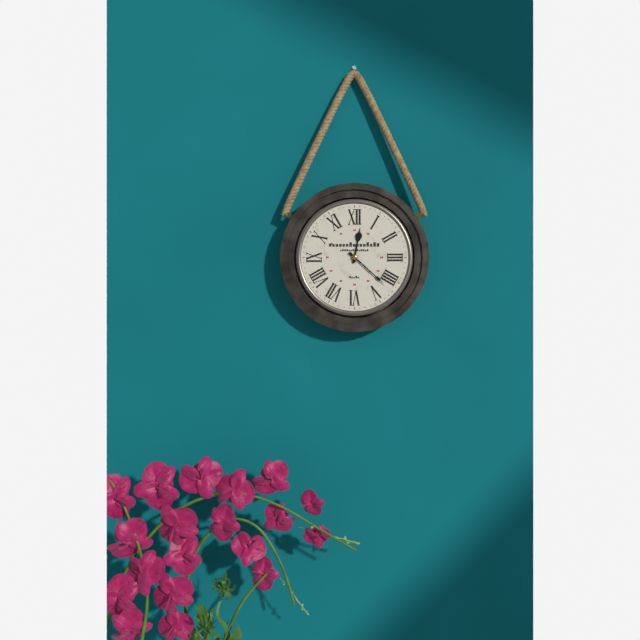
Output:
12,22
